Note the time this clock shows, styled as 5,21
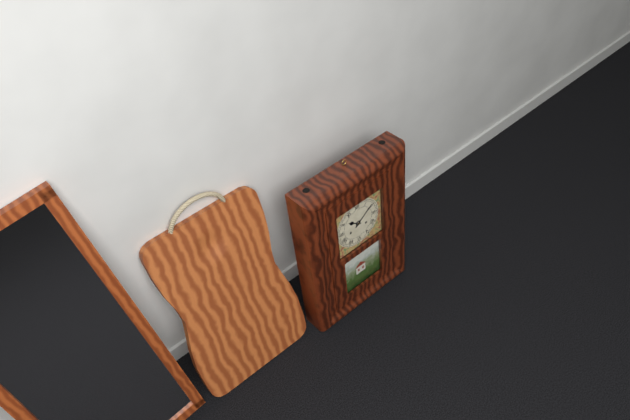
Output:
10,09
